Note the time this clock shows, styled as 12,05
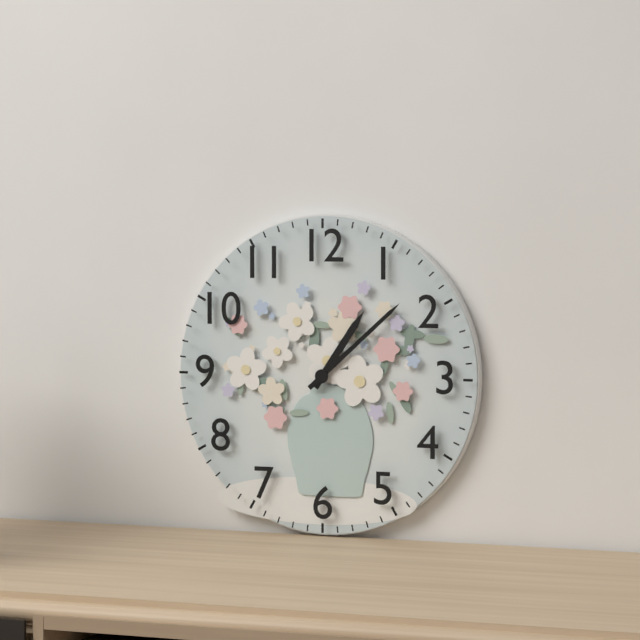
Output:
1,08
